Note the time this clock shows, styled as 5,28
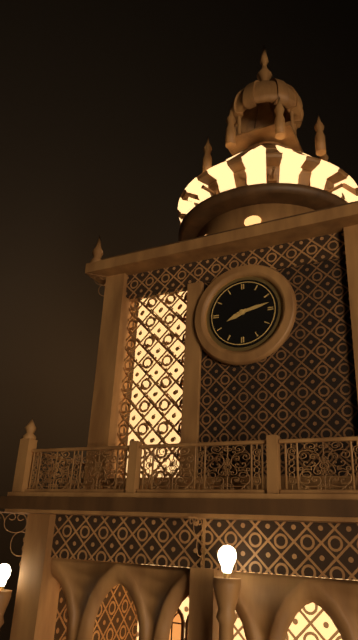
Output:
8,13
